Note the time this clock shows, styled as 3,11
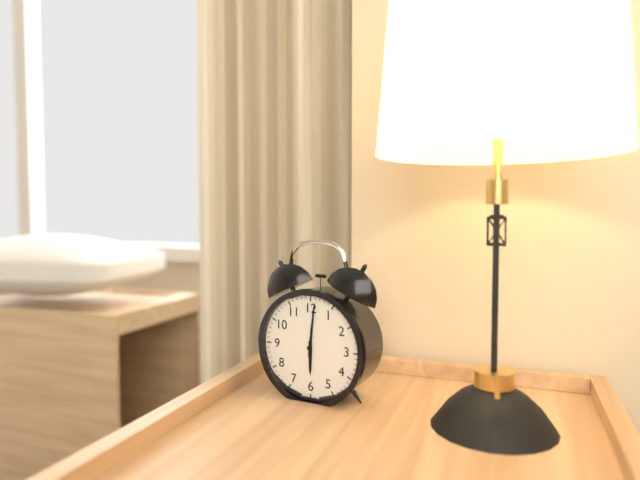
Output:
6,01
